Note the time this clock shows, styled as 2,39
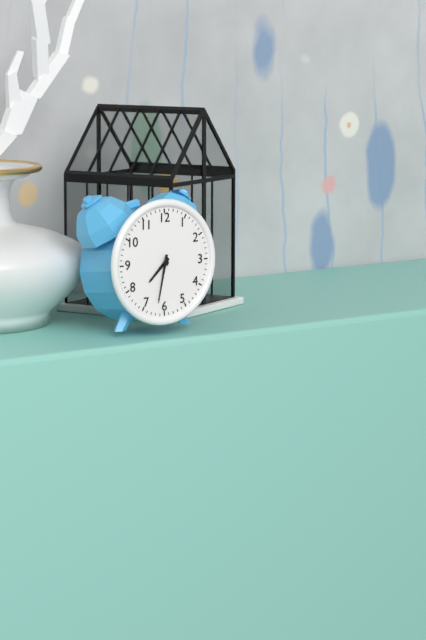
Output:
7,32
